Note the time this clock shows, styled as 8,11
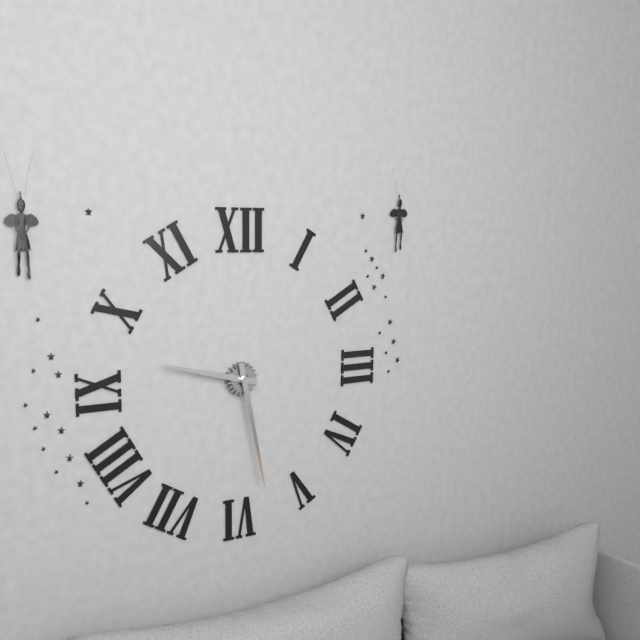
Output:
9,28
